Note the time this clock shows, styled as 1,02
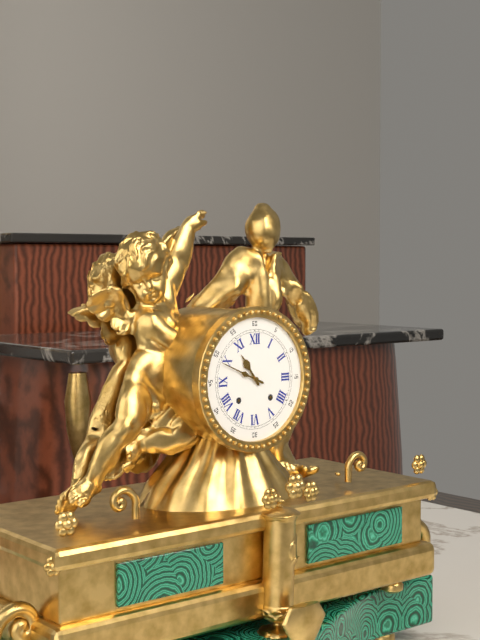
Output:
10,49
